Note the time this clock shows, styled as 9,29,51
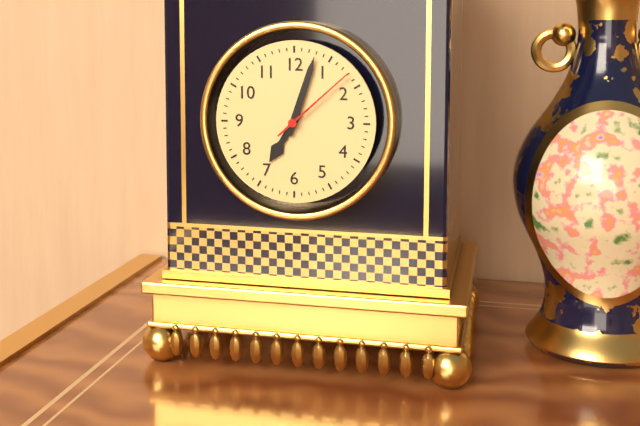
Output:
7,03,08
